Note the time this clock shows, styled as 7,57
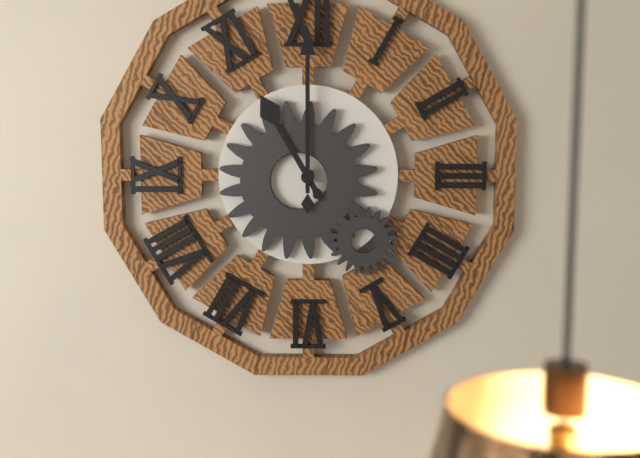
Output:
11,00
